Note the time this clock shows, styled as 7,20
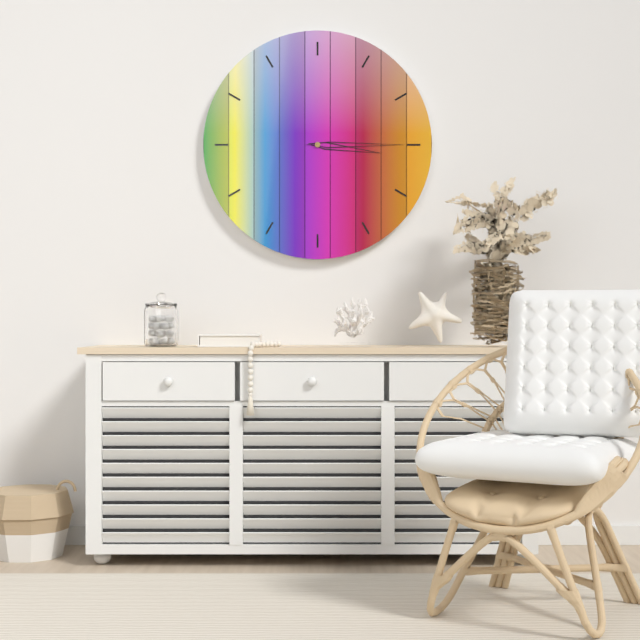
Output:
3,15
